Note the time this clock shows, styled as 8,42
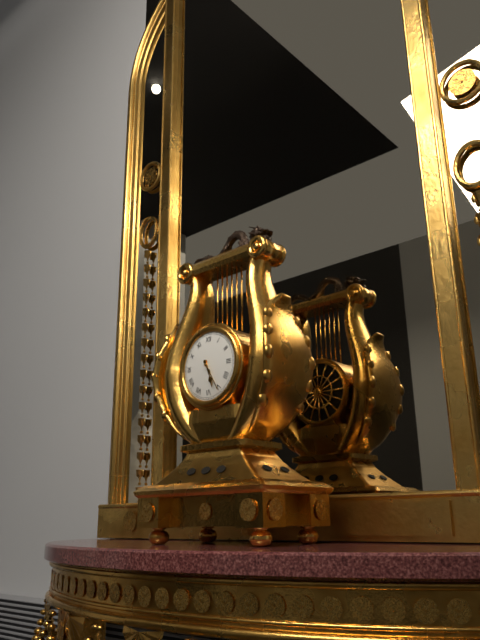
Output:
5,25
